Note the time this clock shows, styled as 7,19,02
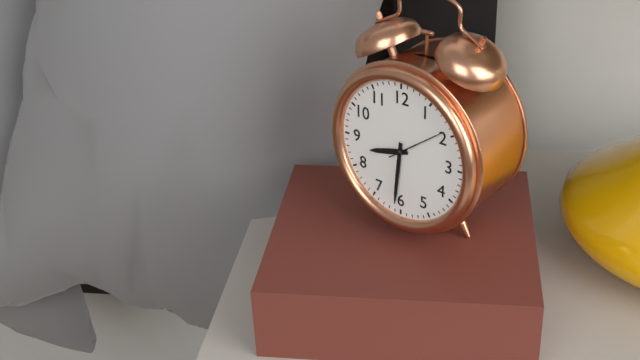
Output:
8,31,09
